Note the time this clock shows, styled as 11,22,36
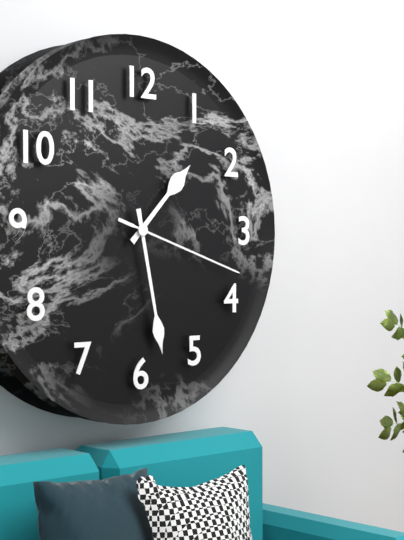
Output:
1,28,18
